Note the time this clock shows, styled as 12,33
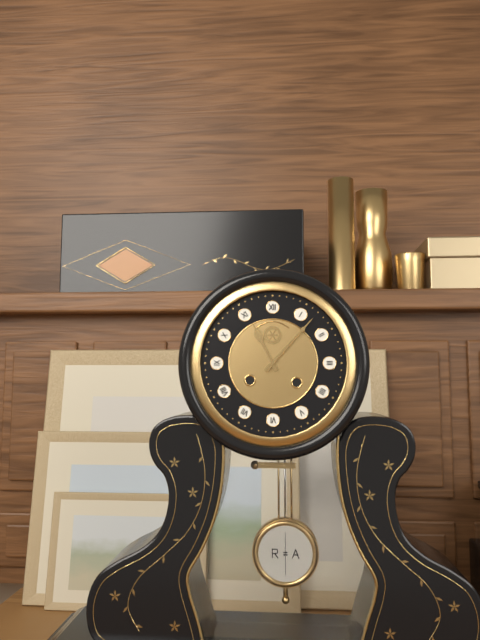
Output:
11,07
